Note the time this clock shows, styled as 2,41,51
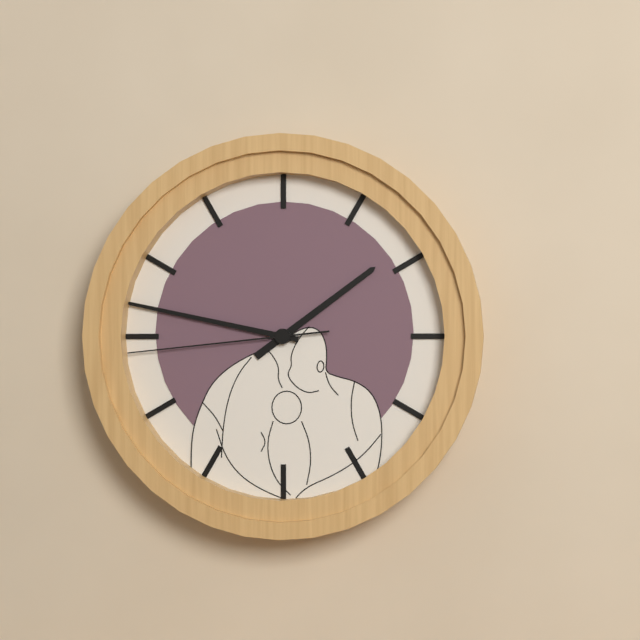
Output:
1,47,44
